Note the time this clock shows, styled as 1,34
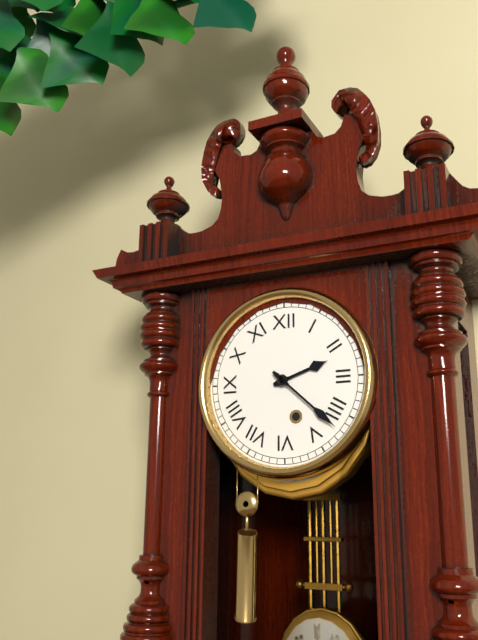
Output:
2,22
